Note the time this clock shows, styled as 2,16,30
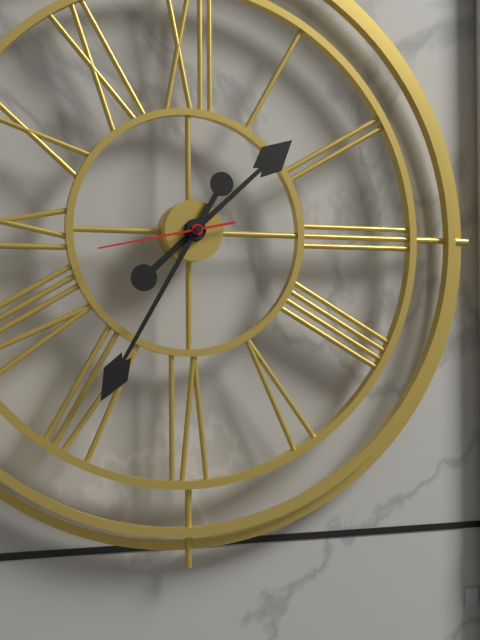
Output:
1,35,43
